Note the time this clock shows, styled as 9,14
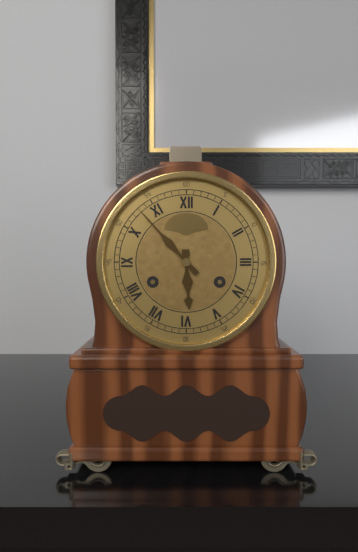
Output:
5,53
